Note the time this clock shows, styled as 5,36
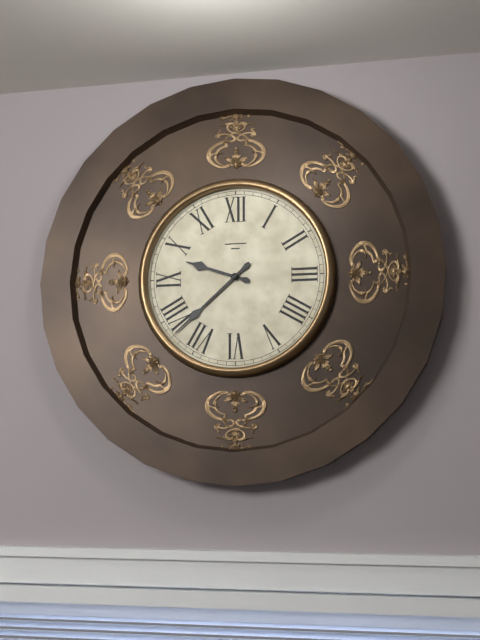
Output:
9,38
